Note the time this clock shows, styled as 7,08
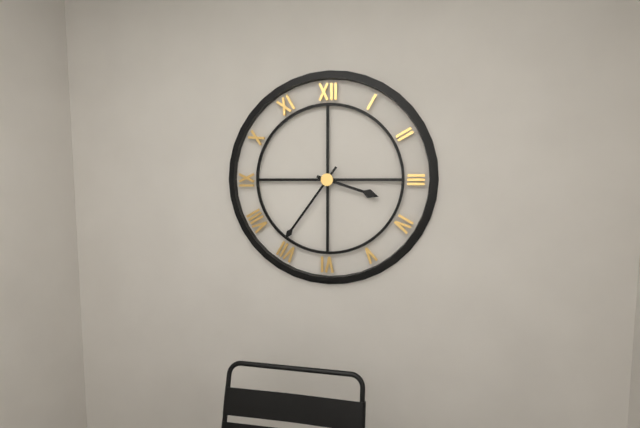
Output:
3,36
